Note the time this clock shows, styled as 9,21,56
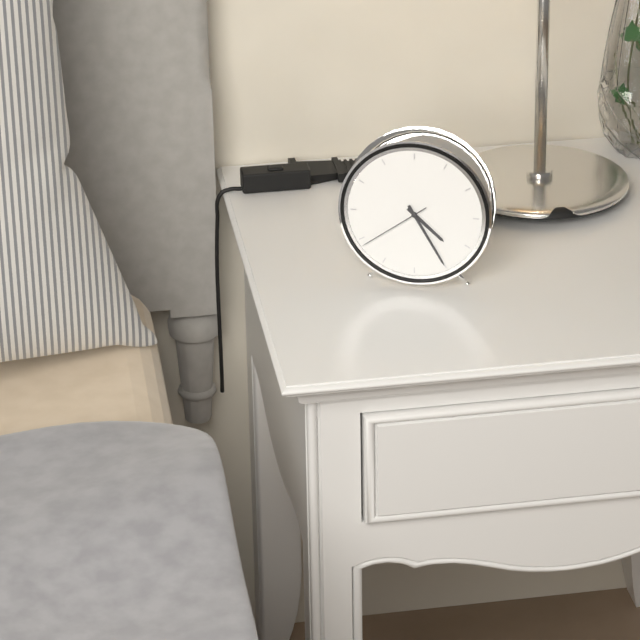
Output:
4,25,39
